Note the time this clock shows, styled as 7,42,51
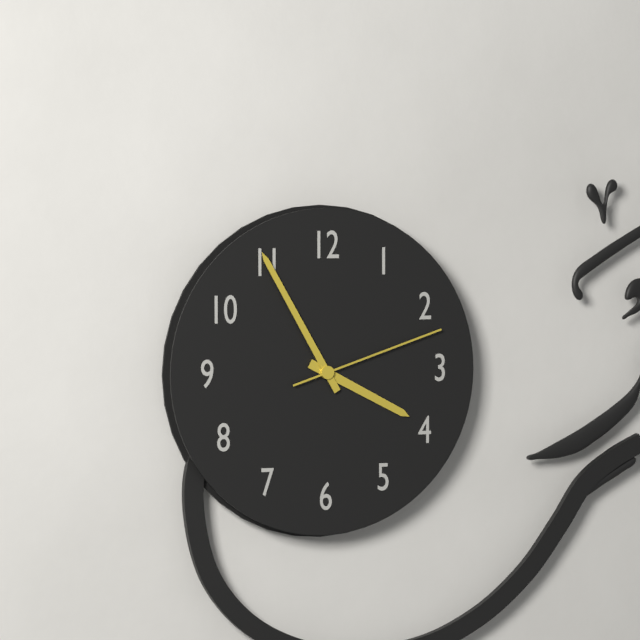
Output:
3,55,12
